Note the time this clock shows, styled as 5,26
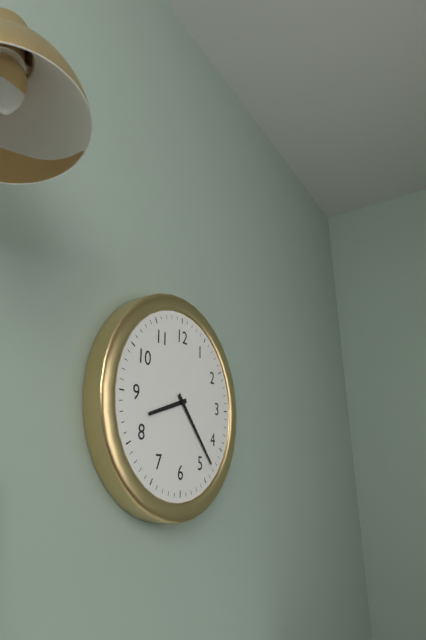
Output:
8,23
